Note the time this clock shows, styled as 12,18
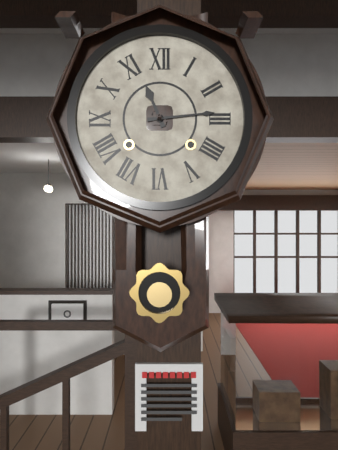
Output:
11,14
